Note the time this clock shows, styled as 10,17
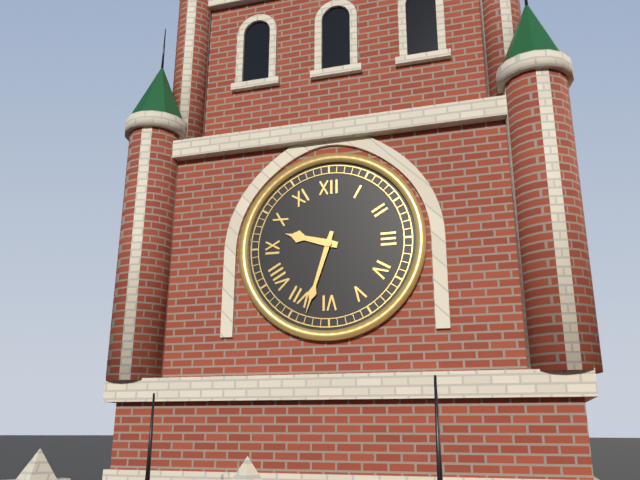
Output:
9,33
